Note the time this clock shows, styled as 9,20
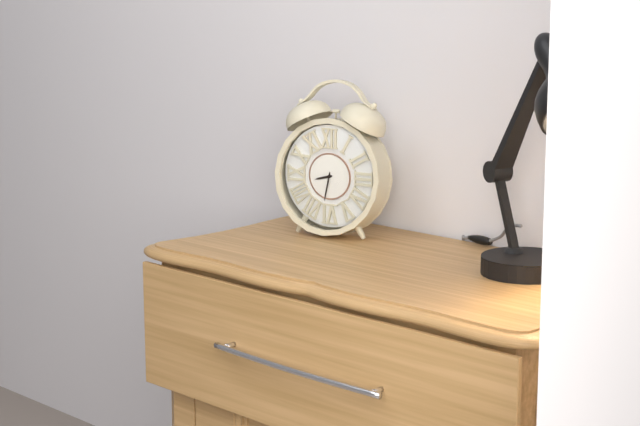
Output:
8,32
